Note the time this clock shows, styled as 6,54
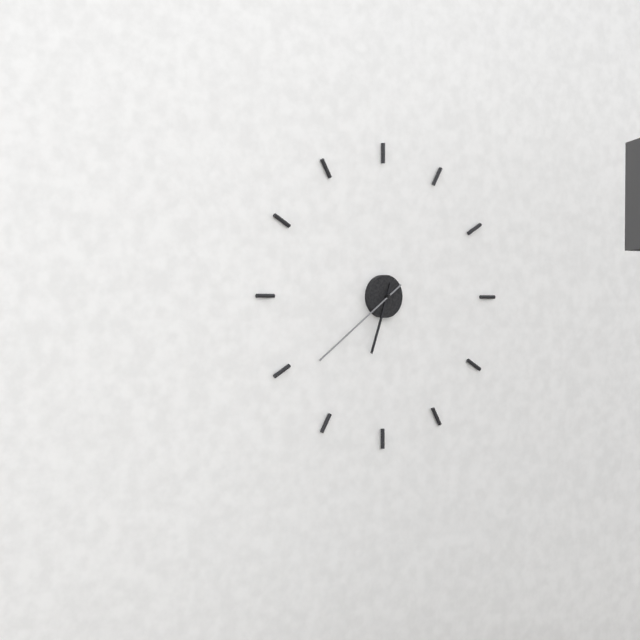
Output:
6,39
